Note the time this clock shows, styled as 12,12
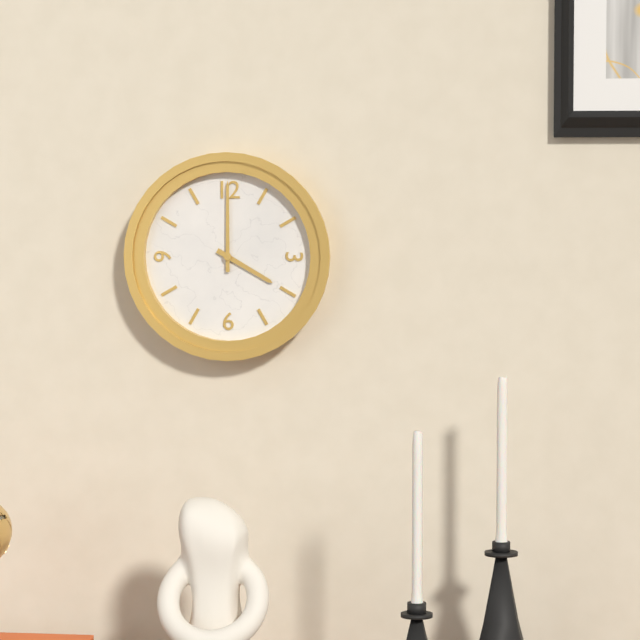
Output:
4,00
